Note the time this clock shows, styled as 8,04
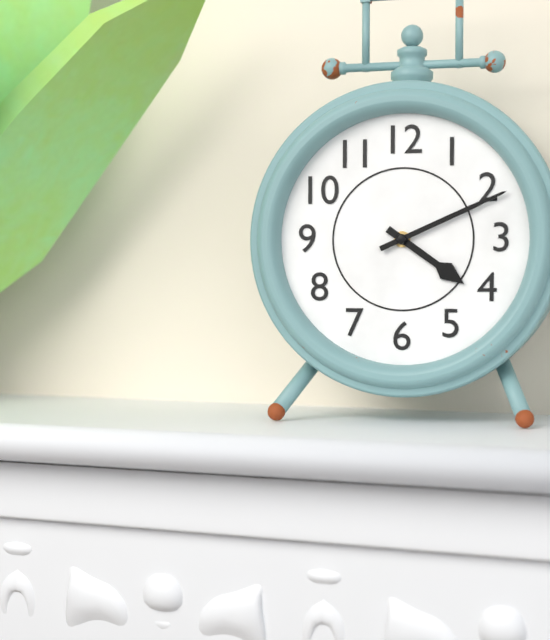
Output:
4,11
